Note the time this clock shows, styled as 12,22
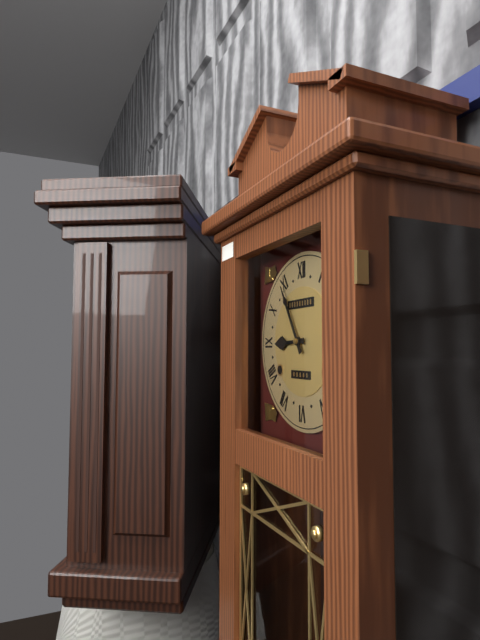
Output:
8,55
